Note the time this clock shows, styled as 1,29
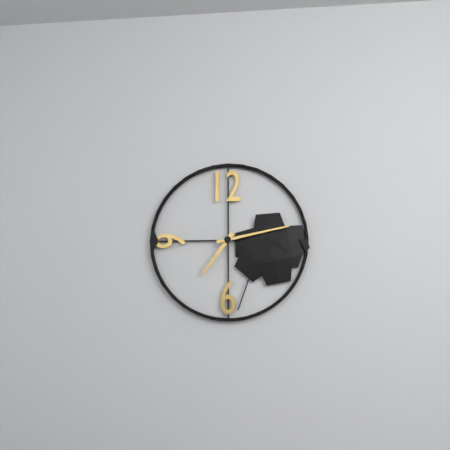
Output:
7,13
